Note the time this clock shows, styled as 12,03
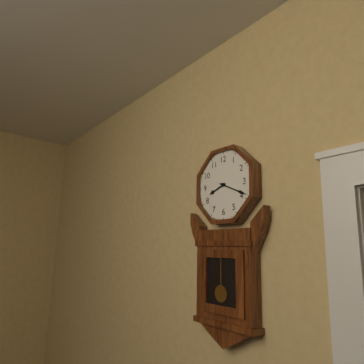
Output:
8,19
